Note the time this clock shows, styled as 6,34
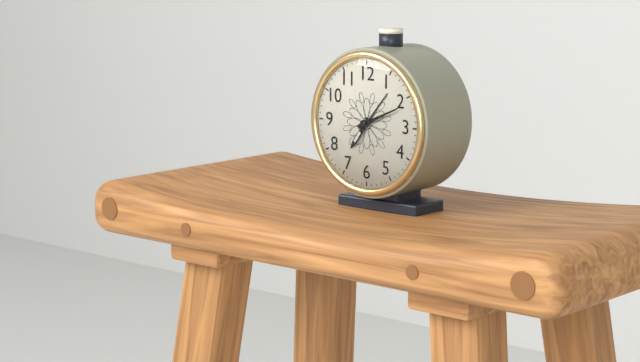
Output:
7,11
